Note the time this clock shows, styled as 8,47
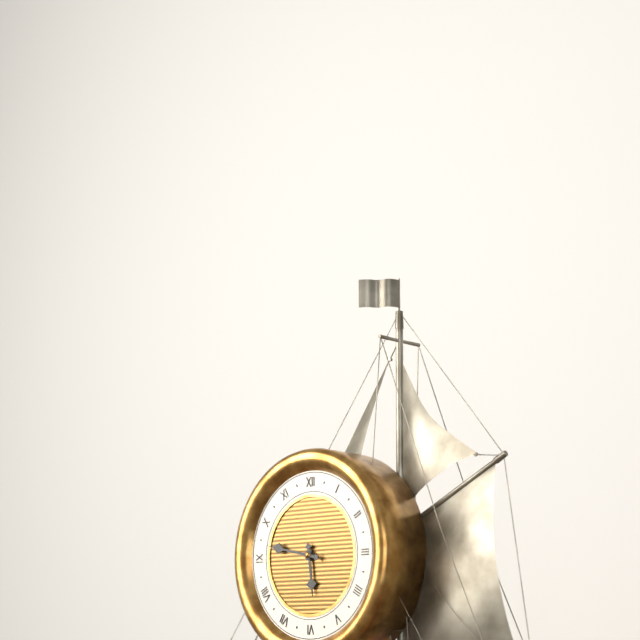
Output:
5,47
